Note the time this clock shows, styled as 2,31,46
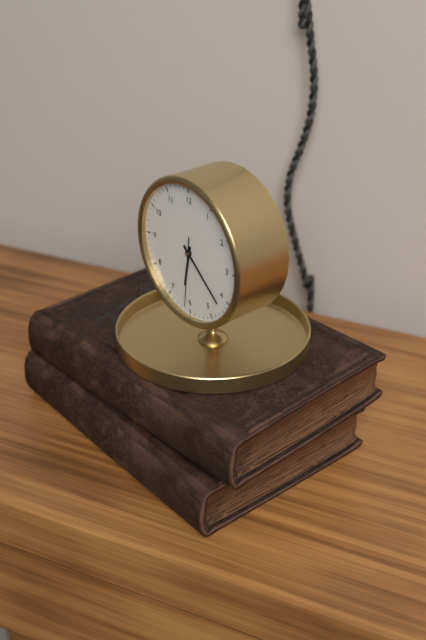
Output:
6,22,31
